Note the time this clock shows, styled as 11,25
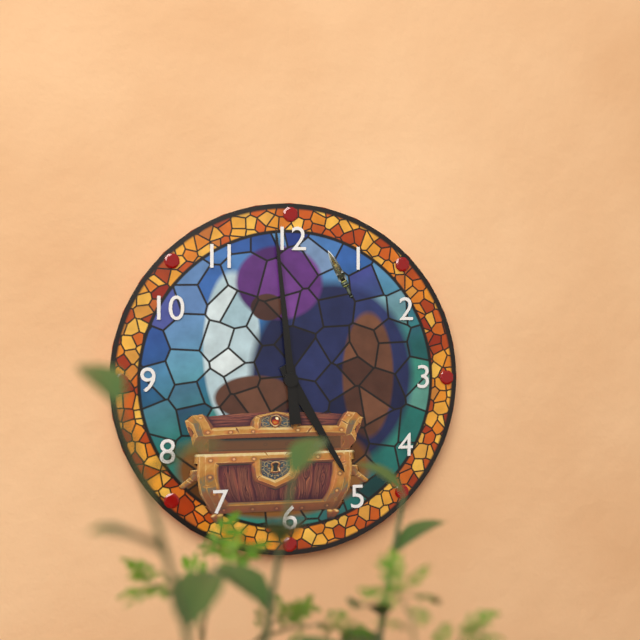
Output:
4,59
